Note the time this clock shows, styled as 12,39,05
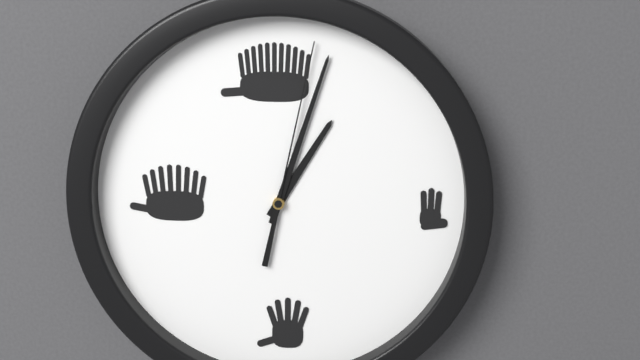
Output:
1,03,02
